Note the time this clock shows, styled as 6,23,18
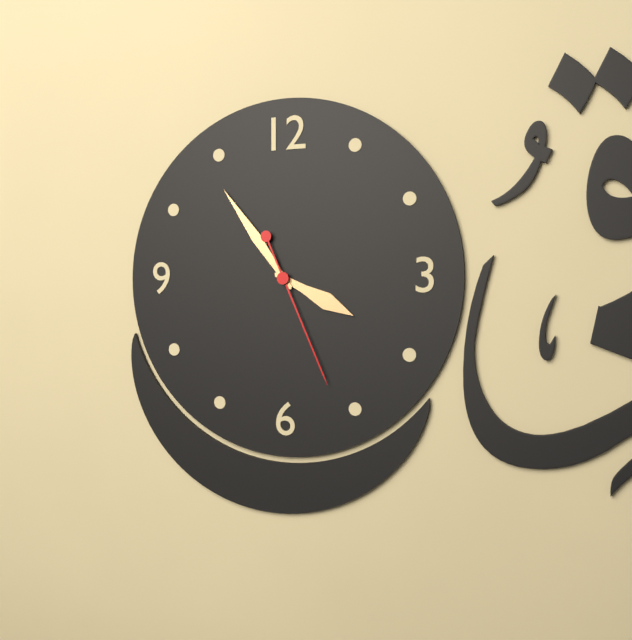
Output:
3,54,26
